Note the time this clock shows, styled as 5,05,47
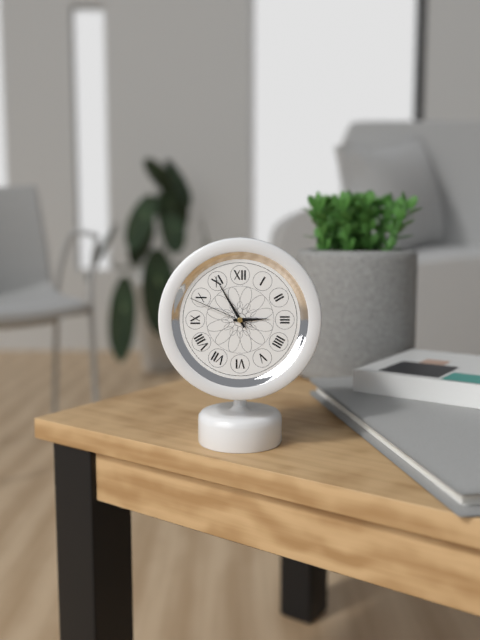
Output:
2,55,49
